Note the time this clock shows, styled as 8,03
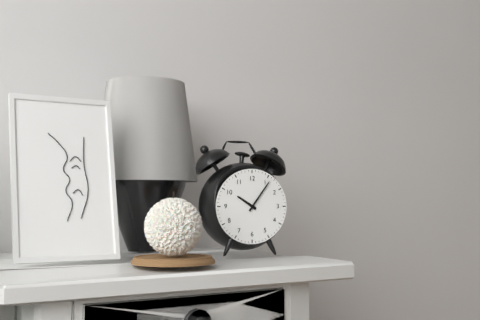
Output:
10,06
